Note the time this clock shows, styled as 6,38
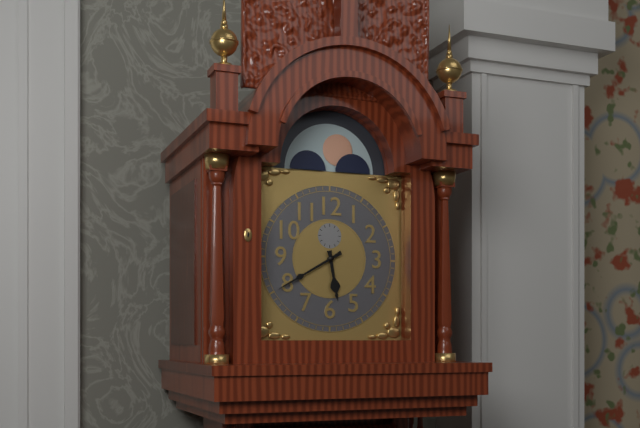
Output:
5,40
